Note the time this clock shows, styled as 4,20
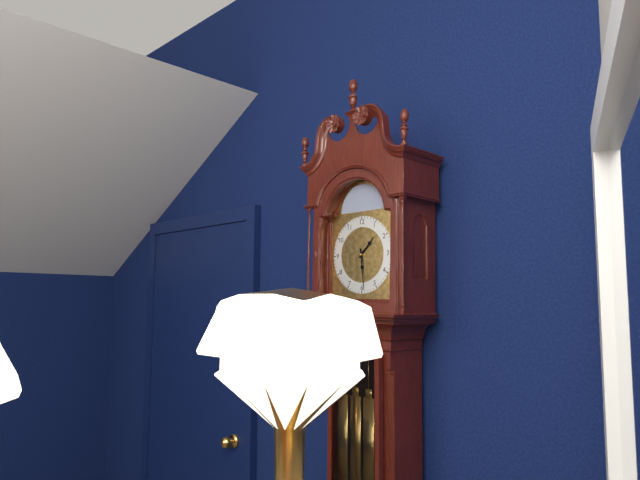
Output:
1,29
